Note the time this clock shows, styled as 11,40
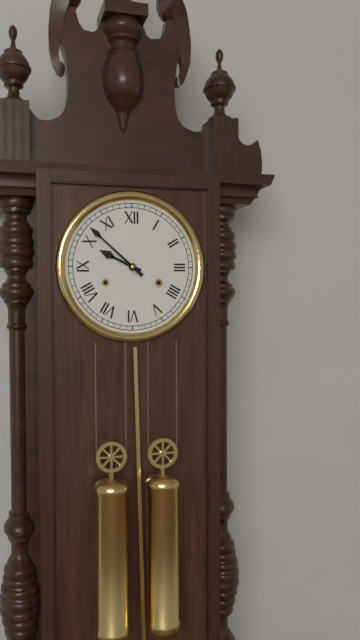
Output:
9,52
